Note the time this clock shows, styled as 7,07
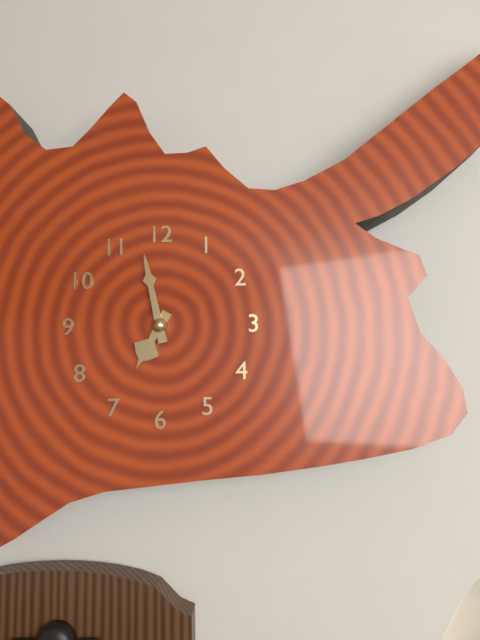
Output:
6,58
